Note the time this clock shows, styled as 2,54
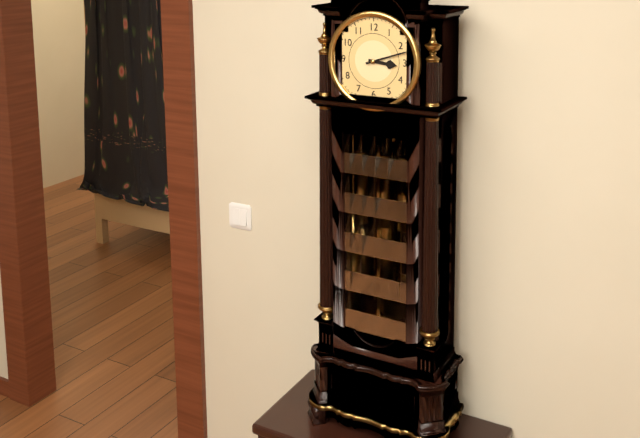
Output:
3,12
